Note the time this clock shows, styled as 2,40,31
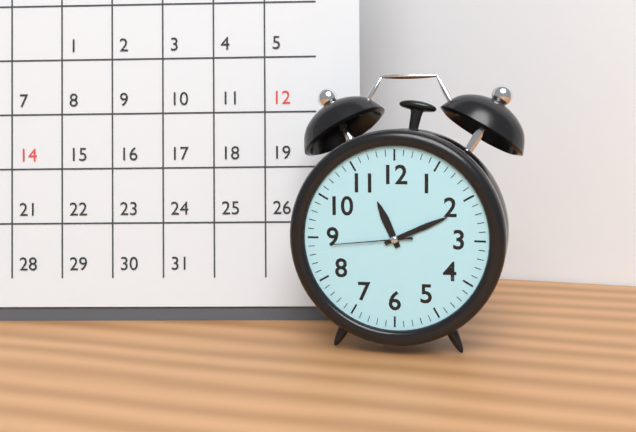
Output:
11,11,44
